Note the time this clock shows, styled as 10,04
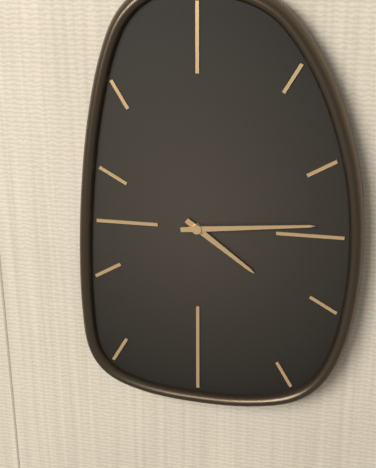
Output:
4,14
